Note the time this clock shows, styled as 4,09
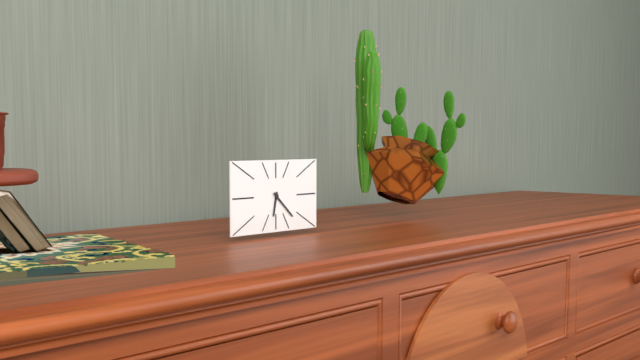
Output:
6,22
